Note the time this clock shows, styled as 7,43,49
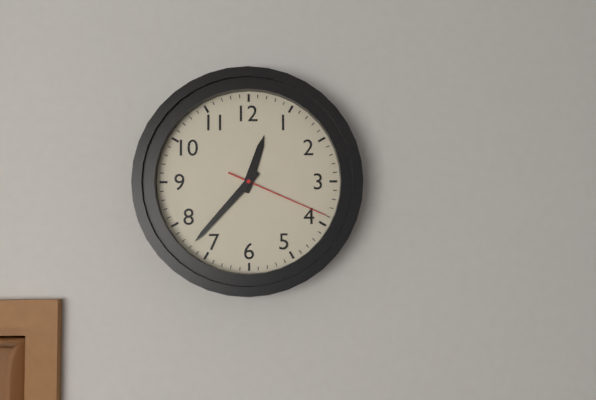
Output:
12,37,19
